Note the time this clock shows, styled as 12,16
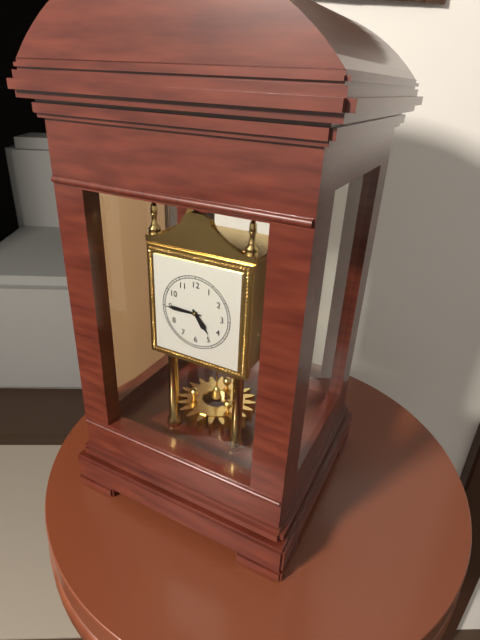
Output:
4,45
